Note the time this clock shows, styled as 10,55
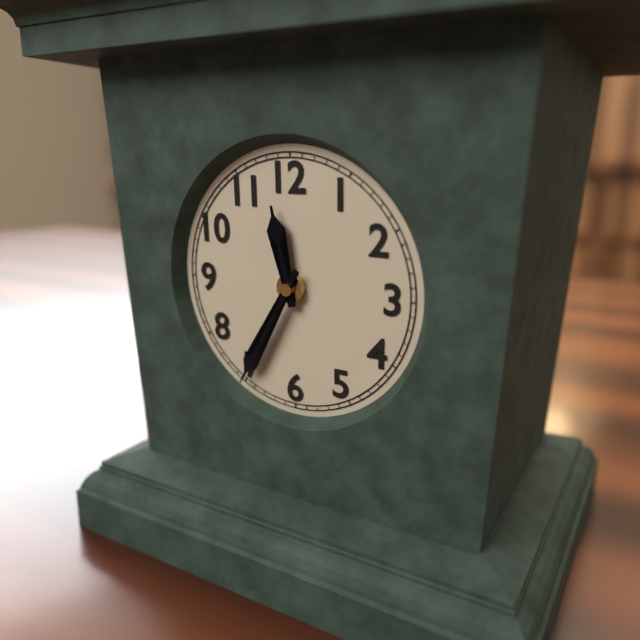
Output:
11,35
